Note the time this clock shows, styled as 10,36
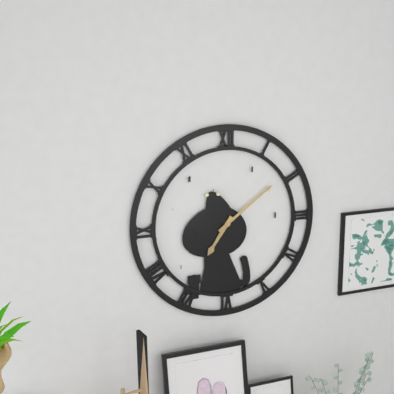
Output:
7,09
